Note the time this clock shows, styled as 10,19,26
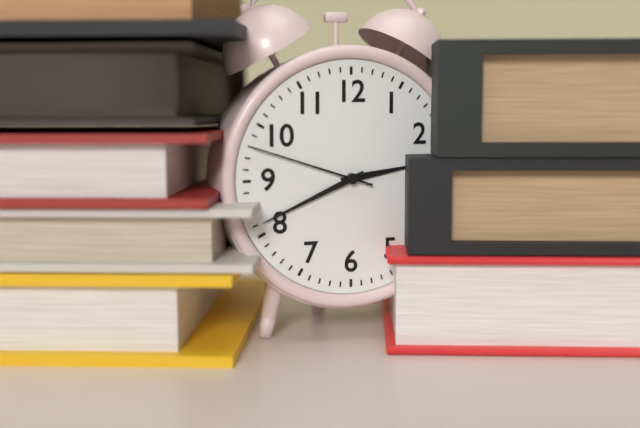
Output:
2,41,48
